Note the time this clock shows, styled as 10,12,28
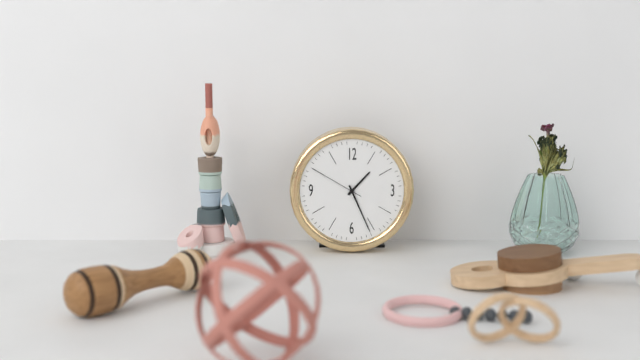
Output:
1,26,50
